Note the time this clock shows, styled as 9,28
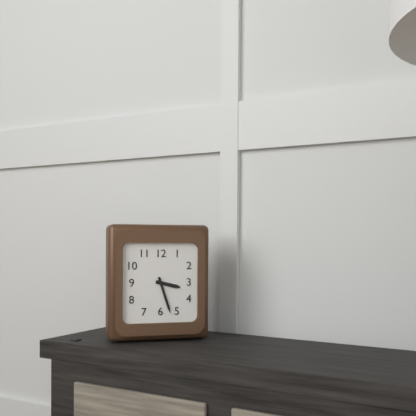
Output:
3,27
